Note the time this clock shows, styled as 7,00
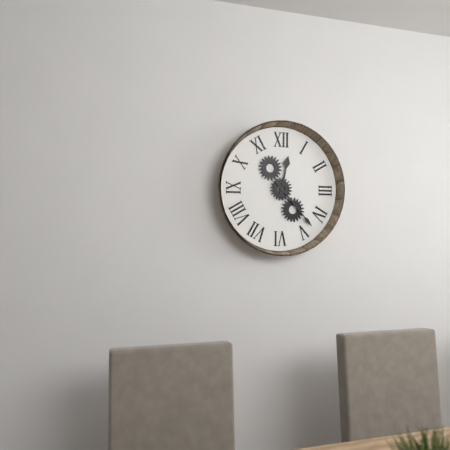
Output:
12,23
